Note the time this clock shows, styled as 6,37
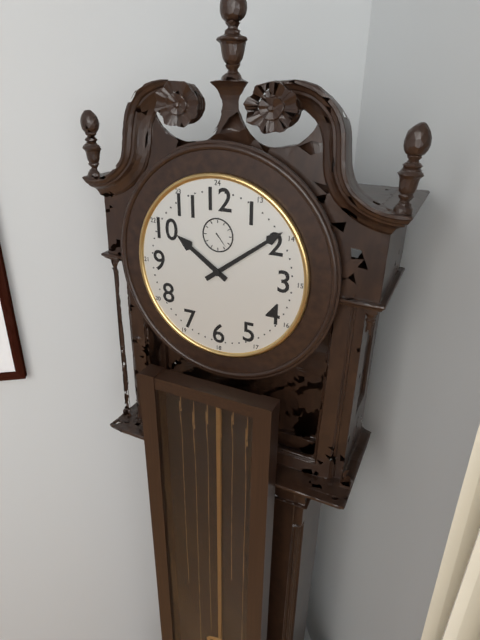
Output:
10,09
